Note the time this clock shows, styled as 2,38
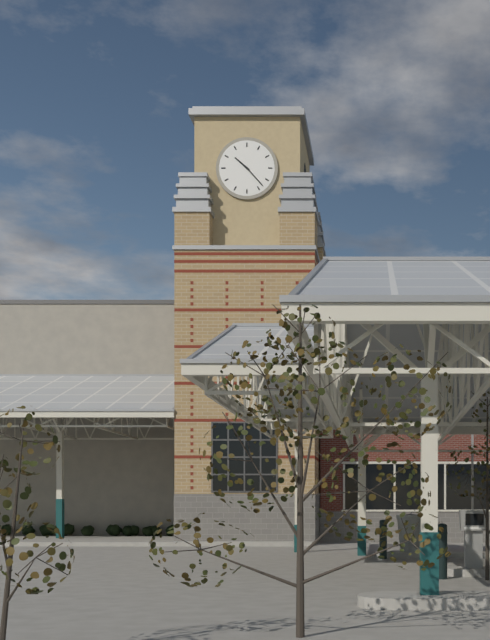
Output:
10,23
